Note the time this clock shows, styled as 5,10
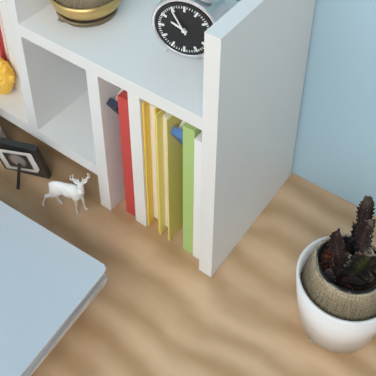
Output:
9,55
